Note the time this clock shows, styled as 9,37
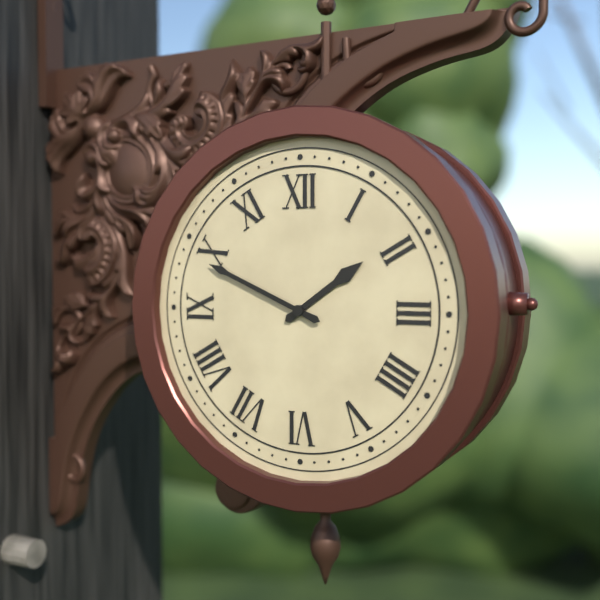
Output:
1,49
